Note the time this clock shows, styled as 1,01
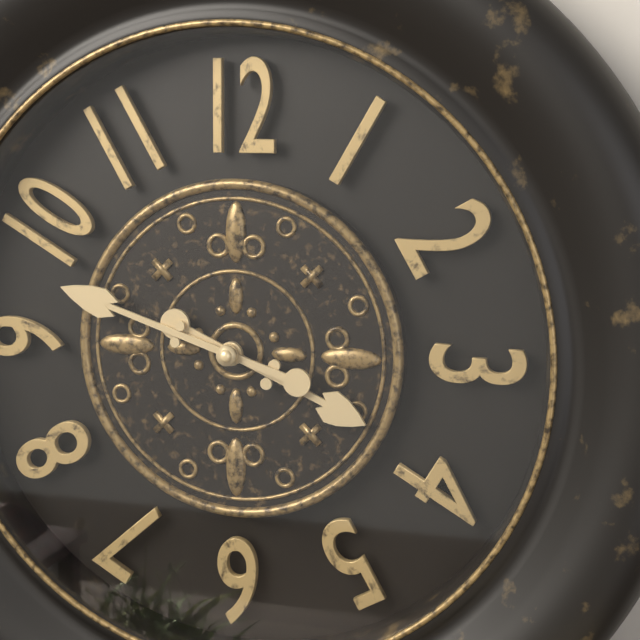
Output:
3,48
